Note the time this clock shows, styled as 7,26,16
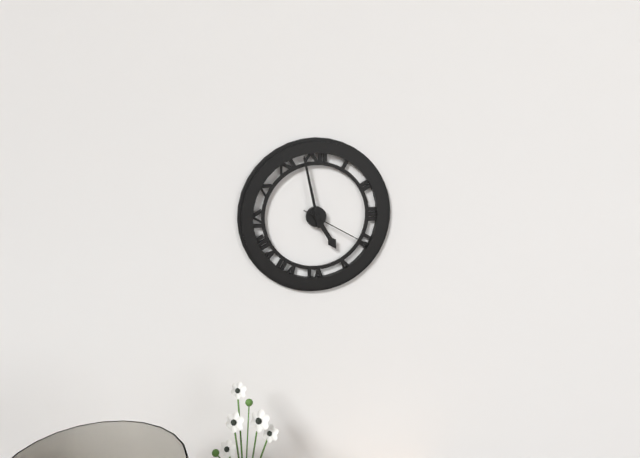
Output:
4,58,20
